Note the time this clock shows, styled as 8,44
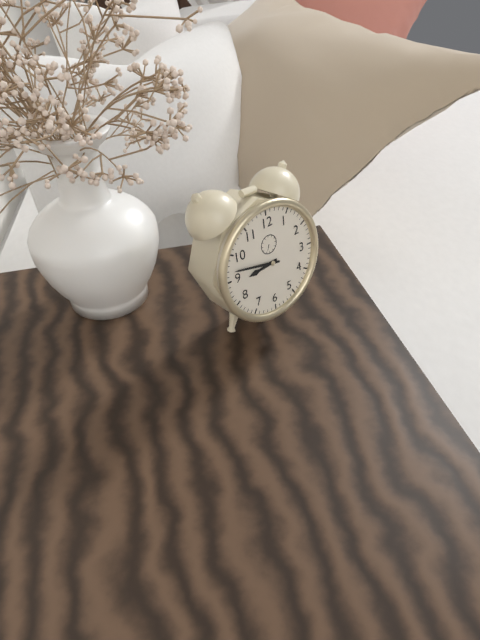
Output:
8,47
